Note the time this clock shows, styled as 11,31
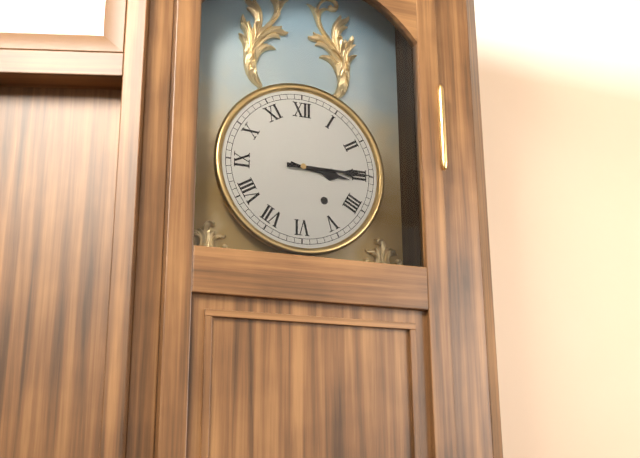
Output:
3,15
